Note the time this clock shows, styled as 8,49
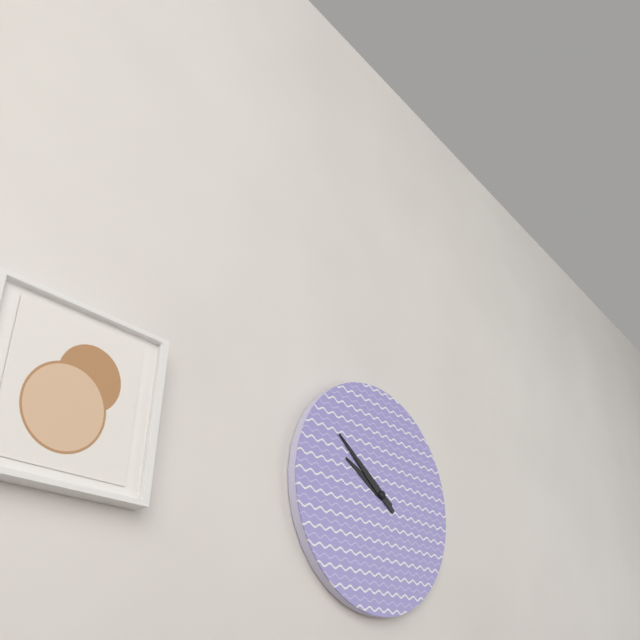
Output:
9,51
